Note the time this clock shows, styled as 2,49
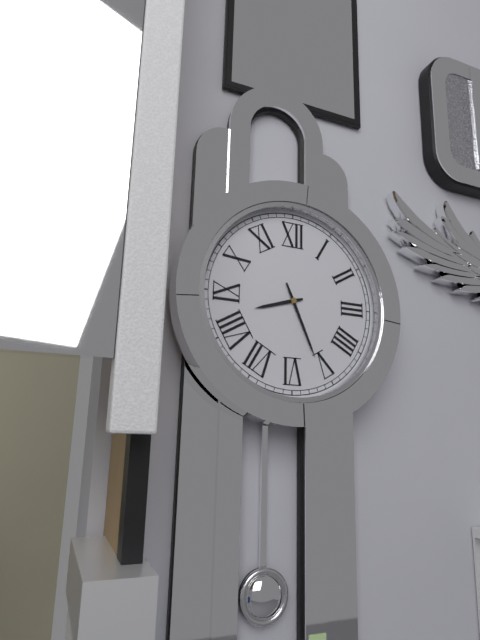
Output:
8,26
